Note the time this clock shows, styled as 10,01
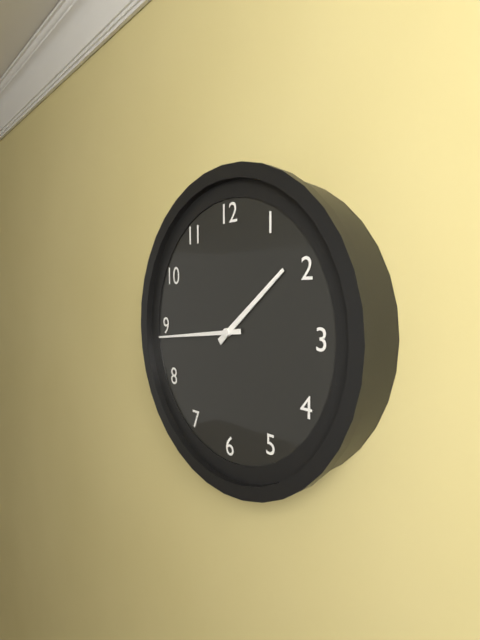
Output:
1,44
